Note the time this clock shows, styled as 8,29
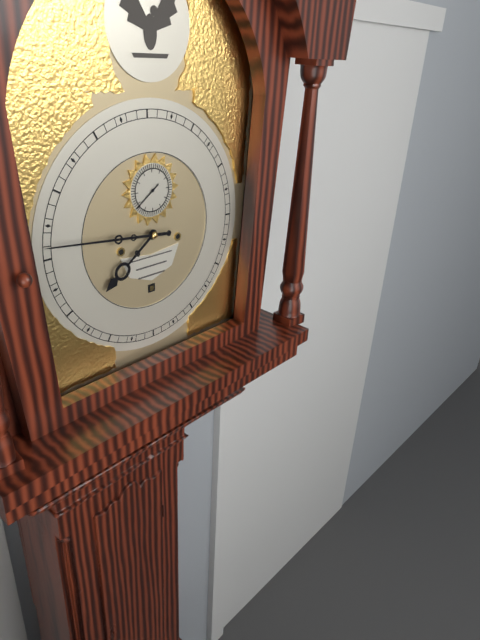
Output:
7,46
